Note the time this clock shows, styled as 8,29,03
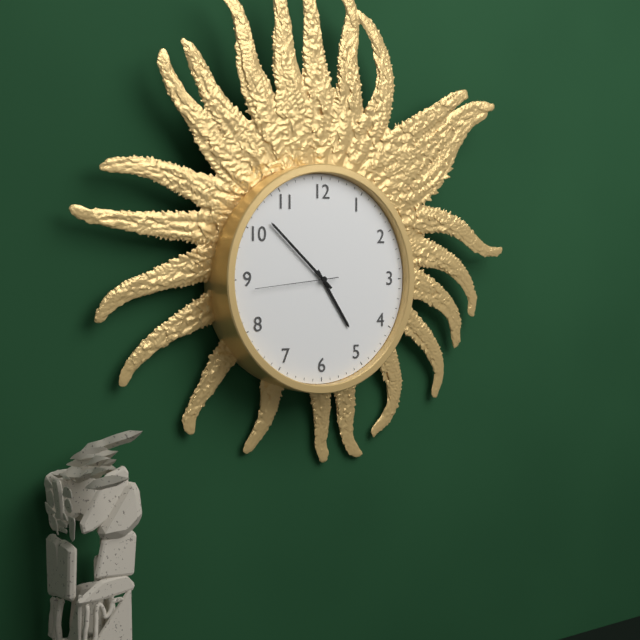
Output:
4,52,44
